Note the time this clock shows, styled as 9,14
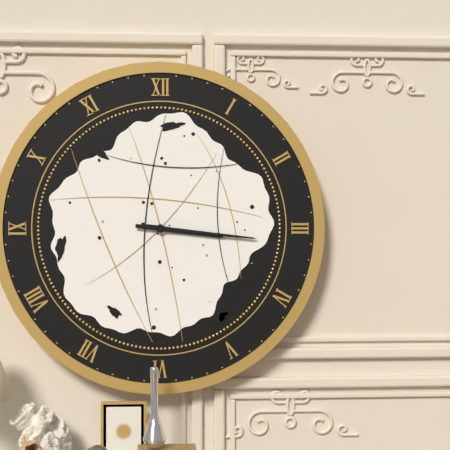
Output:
3,16
